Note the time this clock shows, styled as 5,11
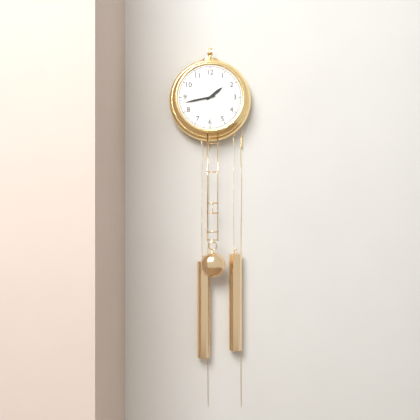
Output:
1,43
